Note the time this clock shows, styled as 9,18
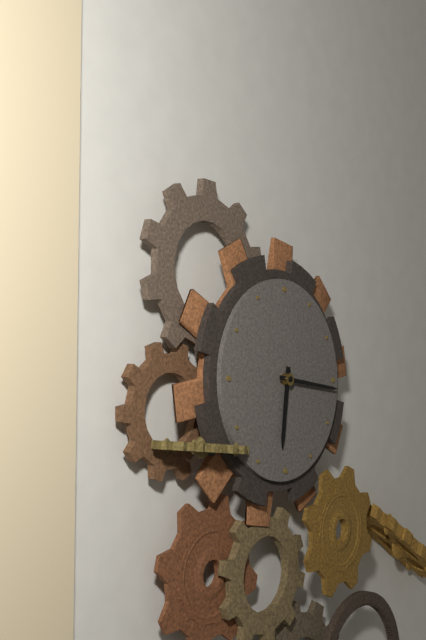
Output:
6,16
